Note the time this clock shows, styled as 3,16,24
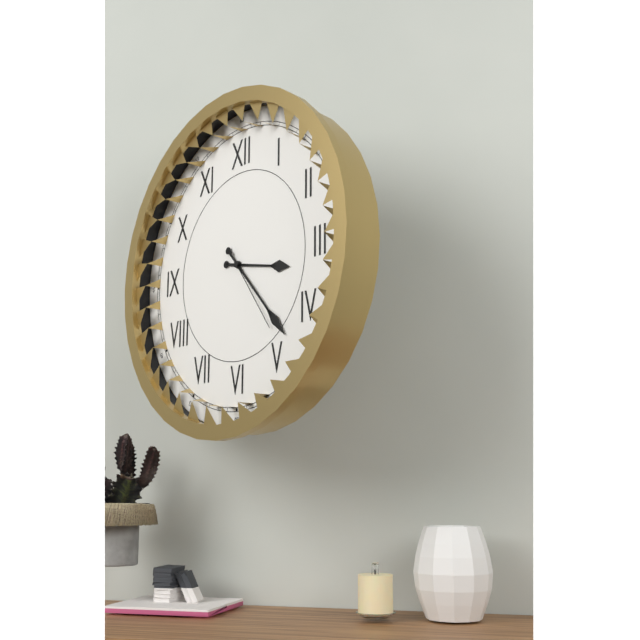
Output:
3,23,24
